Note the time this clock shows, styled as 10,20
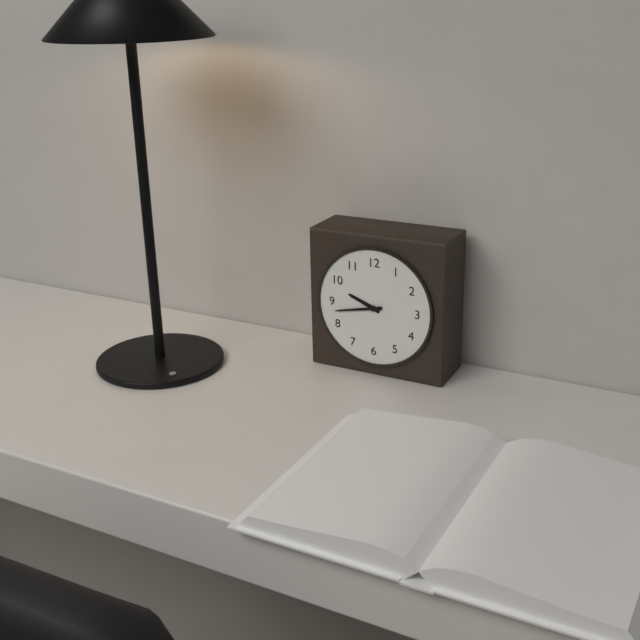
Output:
9,43
